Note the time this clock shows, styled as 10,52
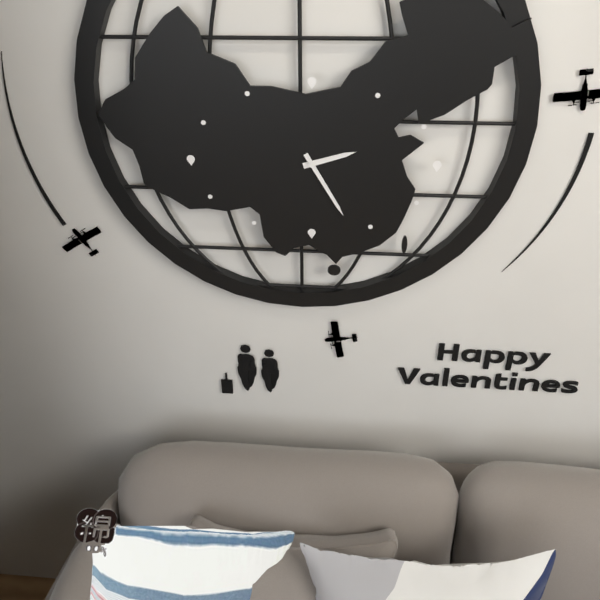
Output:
2,25
